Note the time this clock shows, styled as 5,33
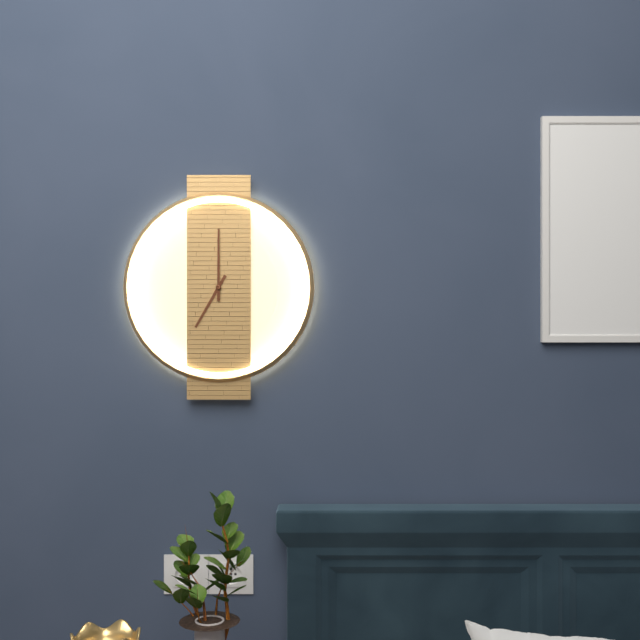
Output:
7,00
